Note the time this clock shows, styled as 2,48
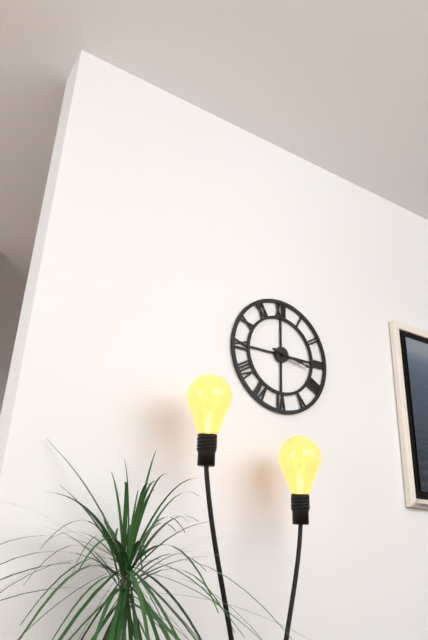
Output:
3,17
